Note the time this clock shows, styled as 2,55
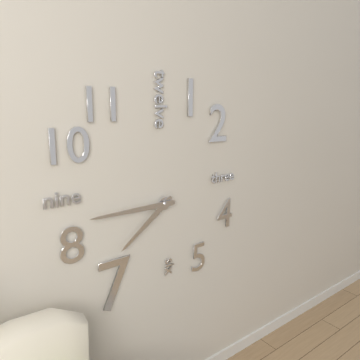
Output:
7,45
